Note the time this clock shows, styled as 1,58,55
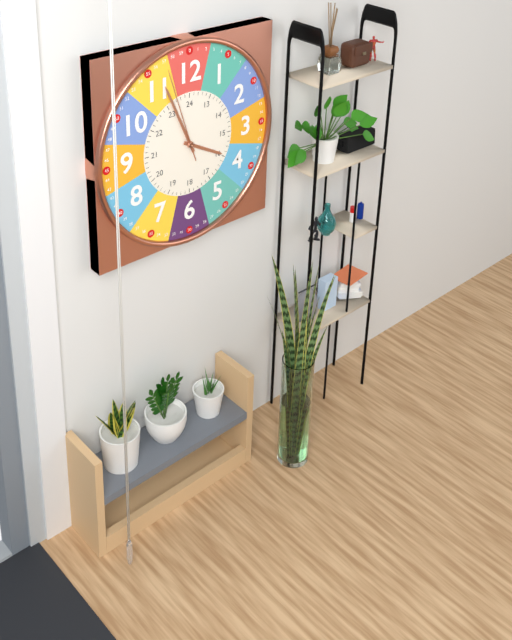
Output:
3,56,57
